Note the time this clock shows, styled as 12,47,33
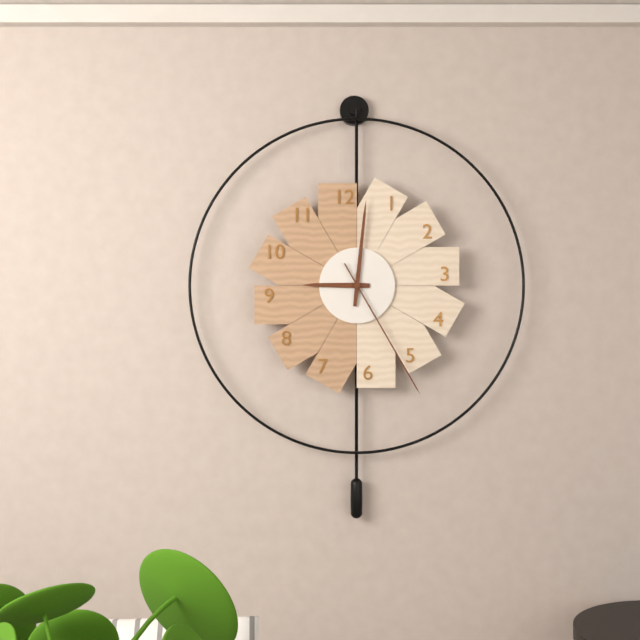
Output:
9,01,25
